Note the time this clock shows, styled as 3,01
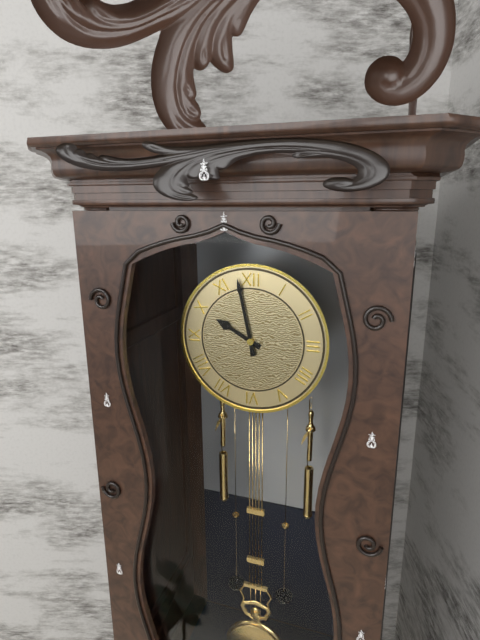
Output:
9,58
